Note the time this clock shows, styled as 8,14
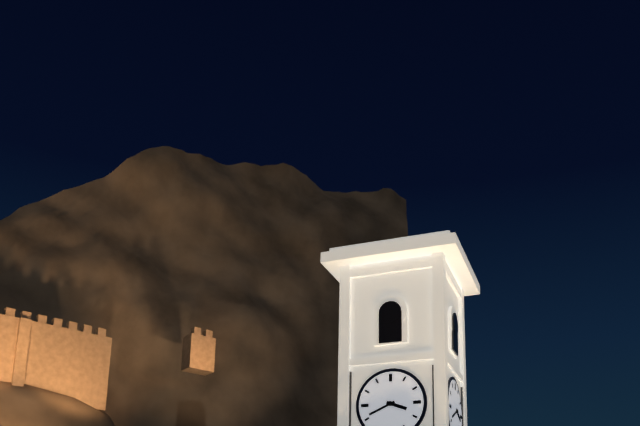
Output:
3,41
